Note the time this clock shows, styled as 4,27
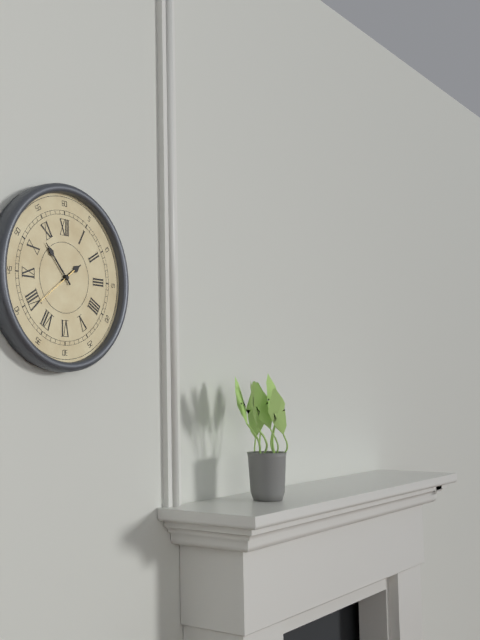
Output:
1,53
